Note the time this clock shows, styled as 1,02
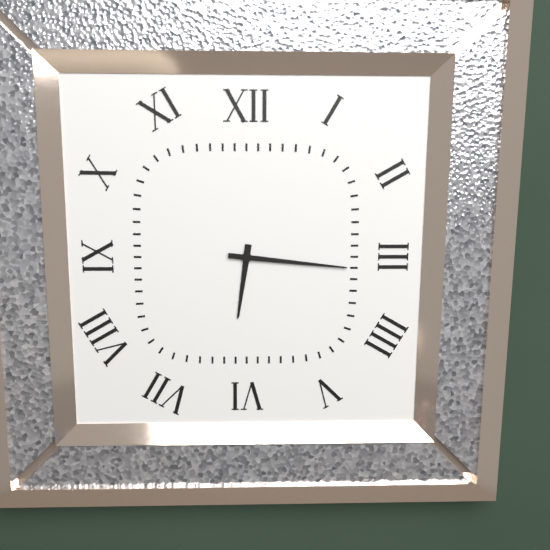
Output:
6,16
